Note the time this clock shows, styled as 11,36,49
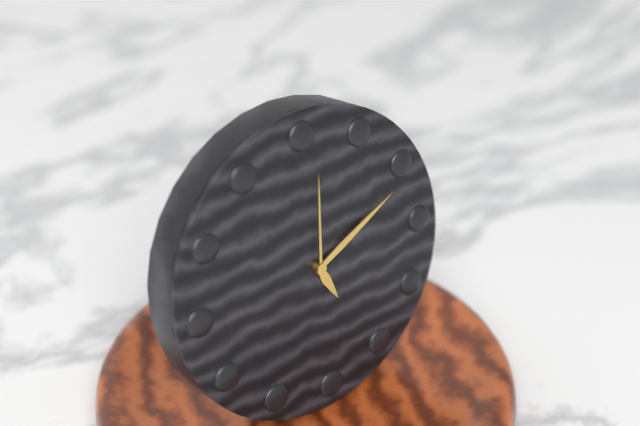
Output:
5,11,01
